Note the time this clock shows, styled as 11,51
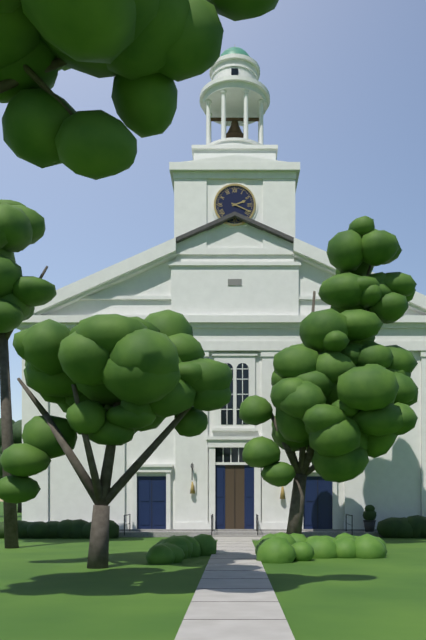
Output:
2,19
